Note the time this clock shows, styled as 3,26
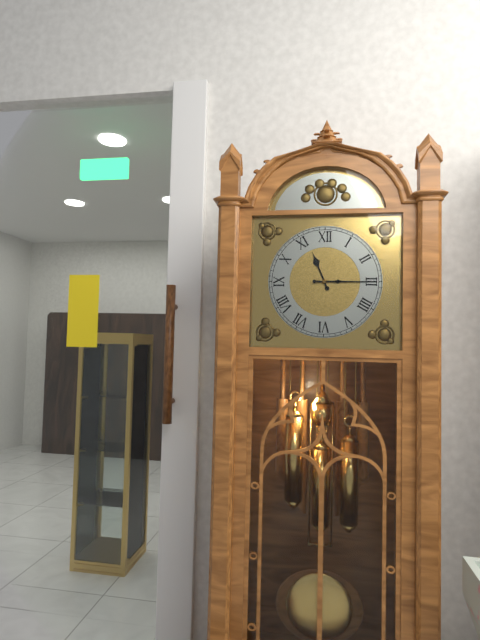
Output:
11,15
